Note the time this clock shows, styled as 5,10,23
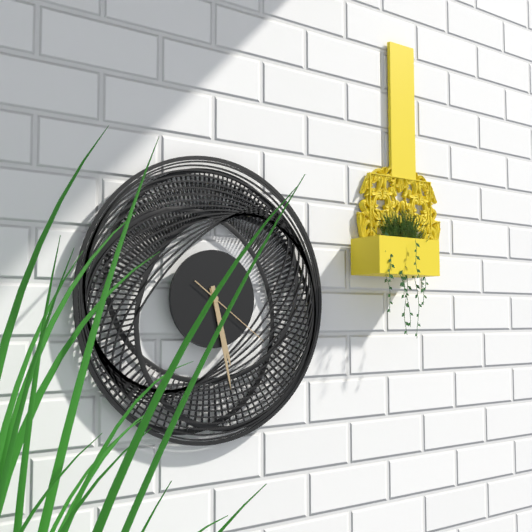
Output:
5,28,21
